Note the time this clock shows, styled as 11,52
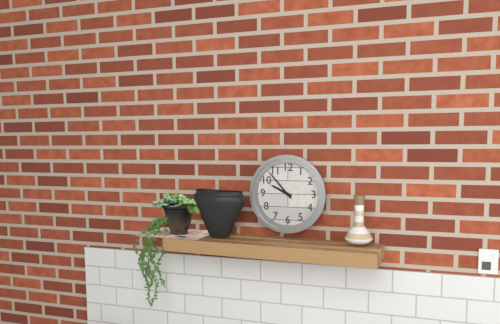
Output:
9,53
